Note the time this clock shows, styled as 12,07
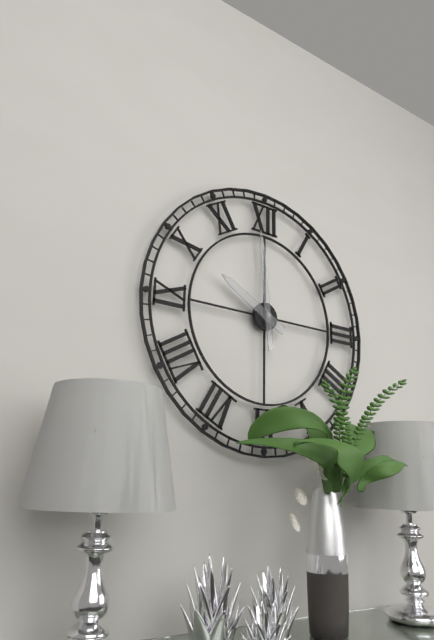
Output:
9,59
